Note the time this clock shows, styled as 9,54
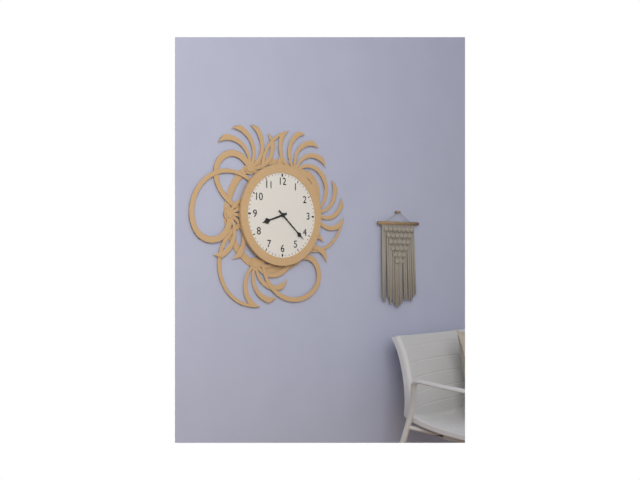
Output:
8,22
